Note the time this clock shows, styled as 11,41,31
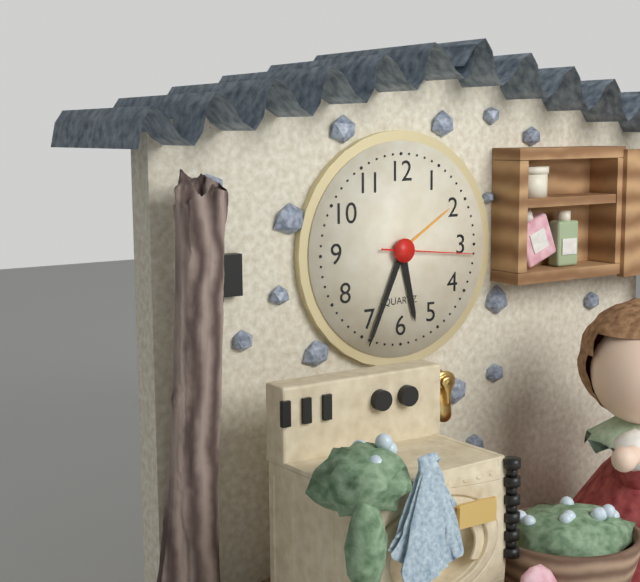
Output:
5,34,16
